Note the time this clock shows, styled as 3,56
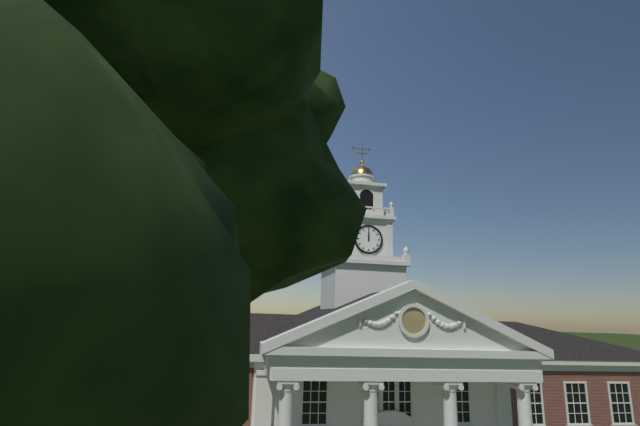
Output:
12,00
